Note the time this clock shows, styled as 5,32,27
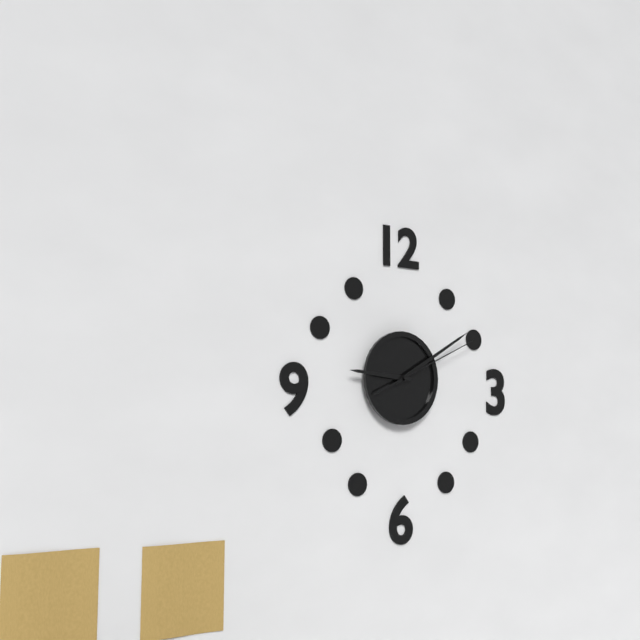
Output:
9,10,11
